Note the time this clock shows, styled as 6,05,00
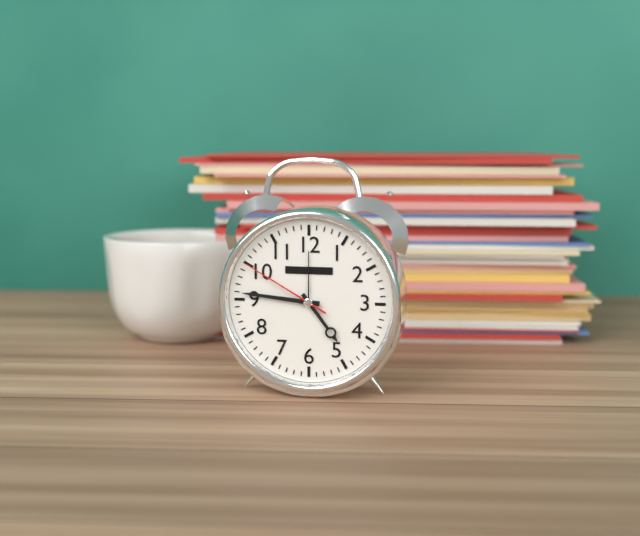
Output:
4,46,50
